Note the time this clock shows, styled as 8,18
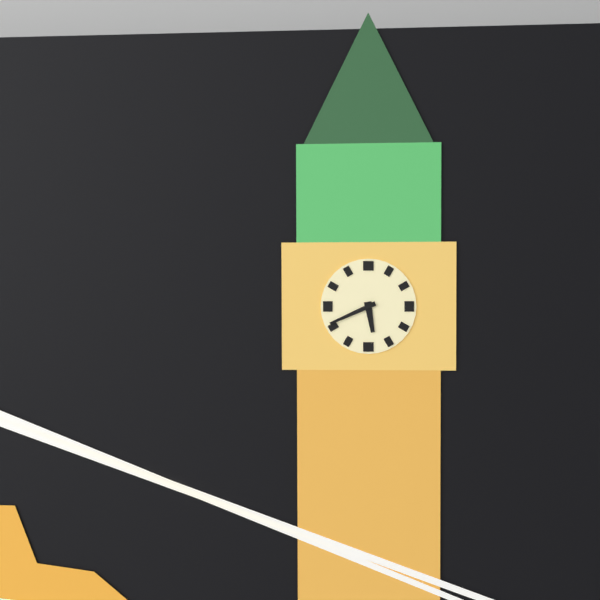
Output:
5,41
